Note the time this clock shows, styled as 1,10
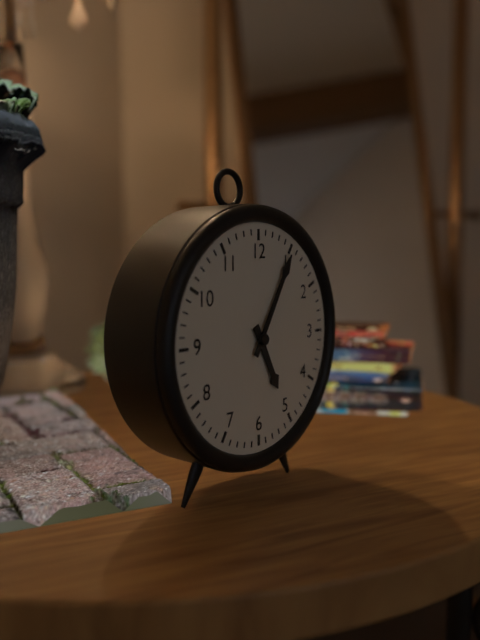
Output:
5,05
